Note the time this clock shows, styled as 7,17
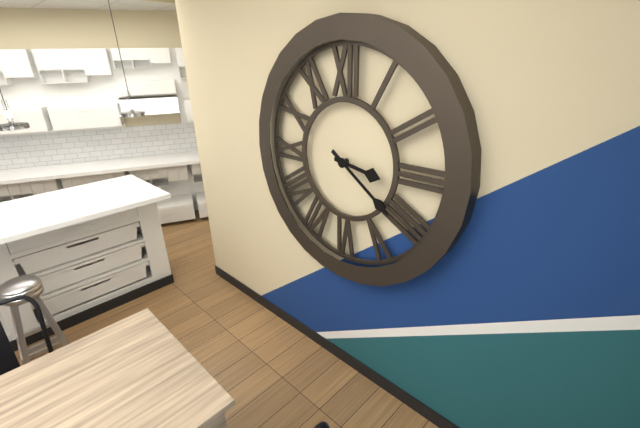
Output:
3,21
